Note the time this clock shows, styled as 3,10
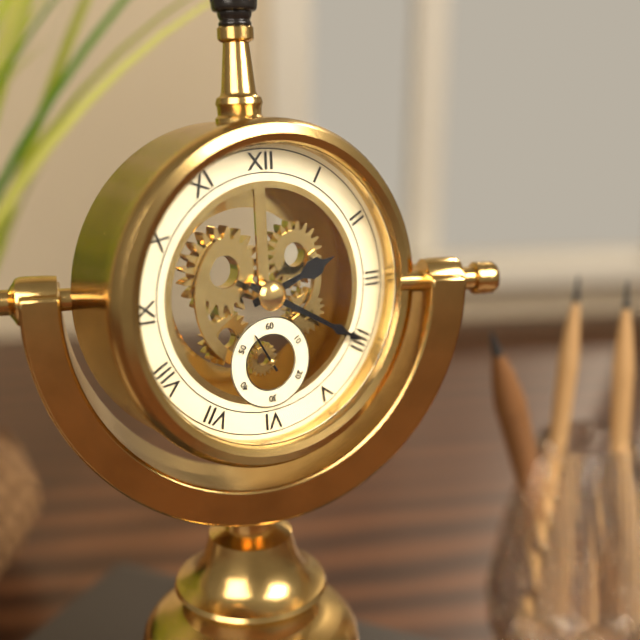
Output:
2,20
